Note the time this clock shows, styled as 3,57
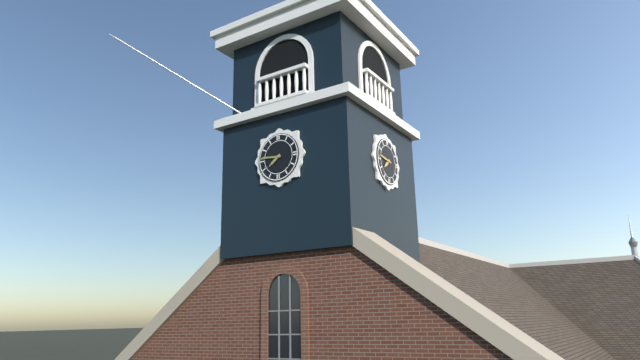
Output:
7,46
